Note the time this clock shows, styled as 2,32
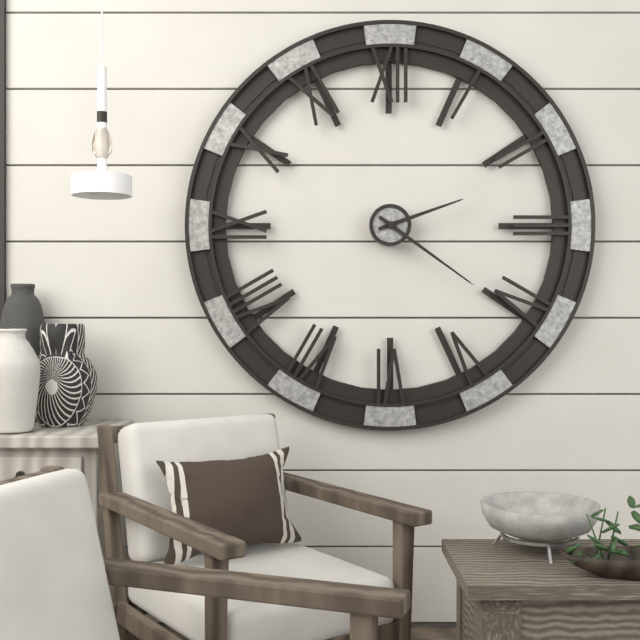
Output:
2,21
